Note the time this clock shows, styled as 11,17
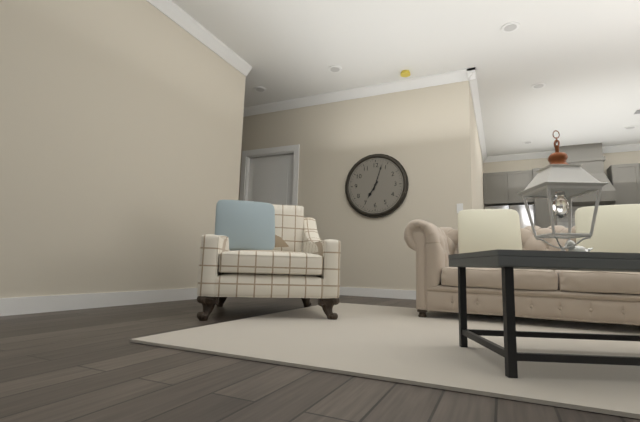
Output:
7,03
